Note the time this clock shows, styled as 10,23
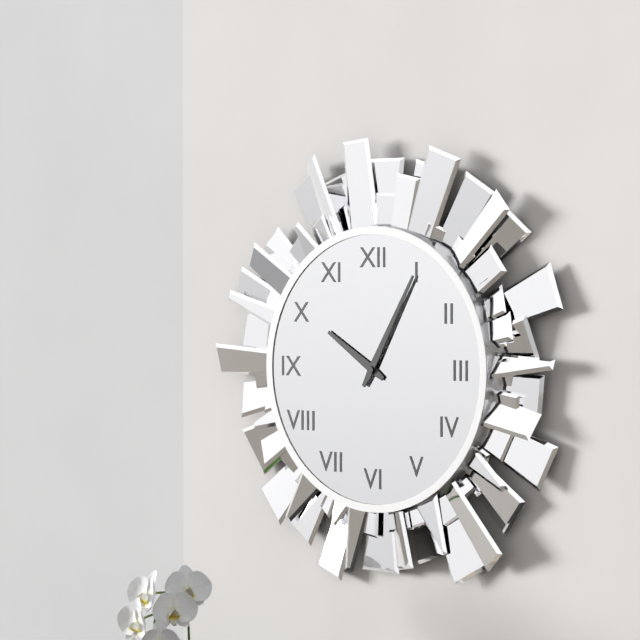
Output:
10,05
